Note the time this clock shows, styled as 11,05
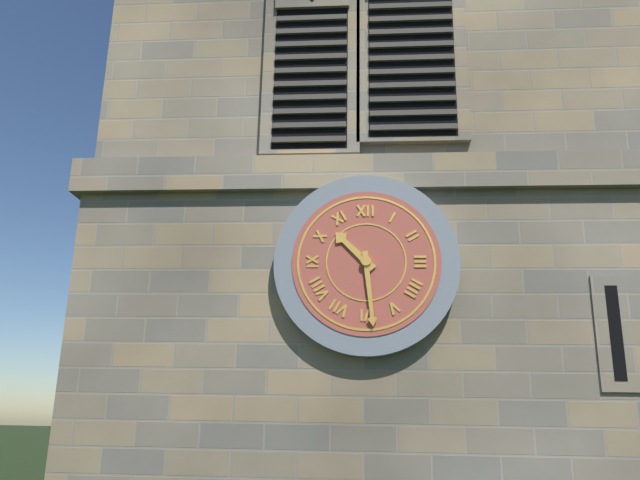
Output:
10,29
